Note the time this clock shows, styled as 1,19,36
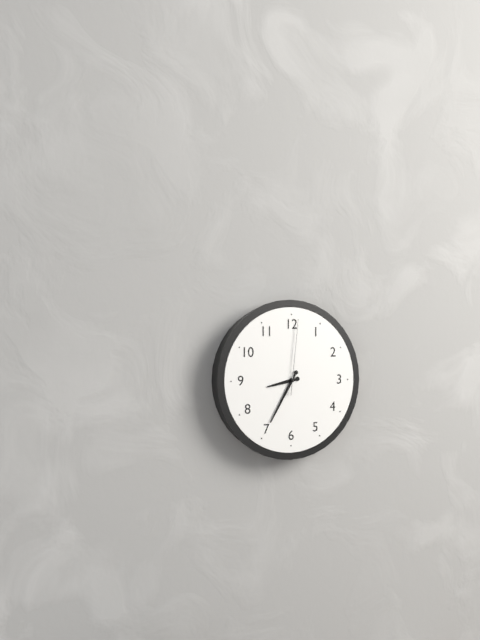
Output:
8,35,01
